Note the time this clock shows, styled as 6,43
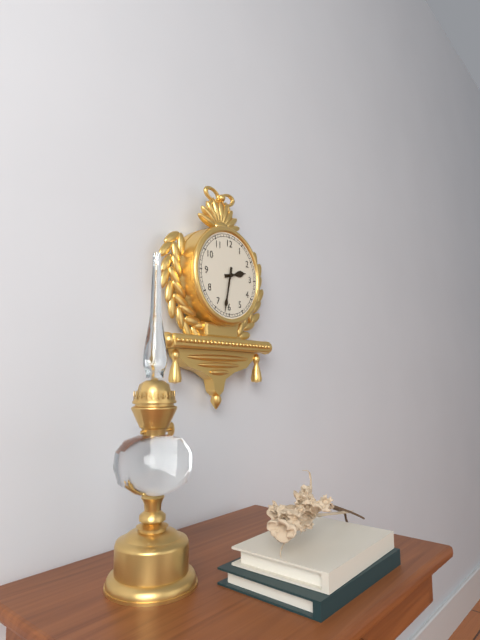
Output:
2,32
